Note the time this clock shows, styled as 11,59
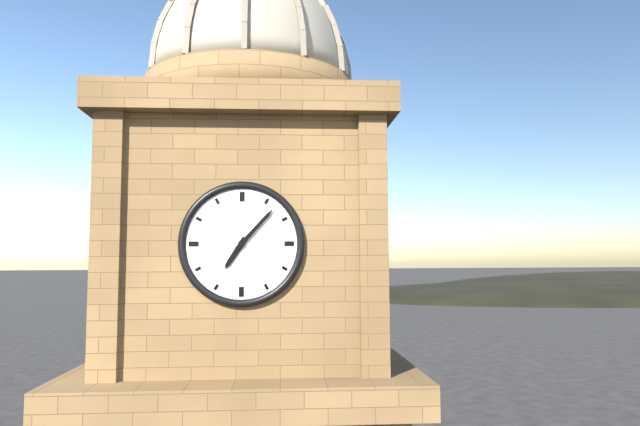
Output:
7,07
